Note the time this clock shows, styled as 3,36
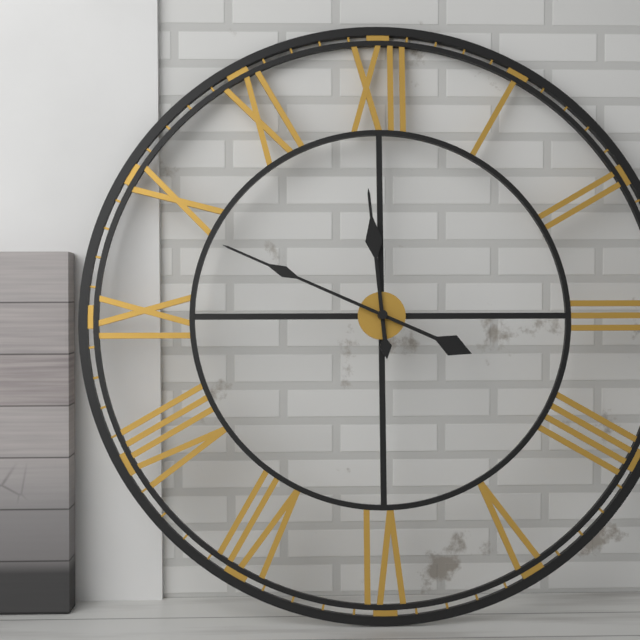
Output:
11,49
